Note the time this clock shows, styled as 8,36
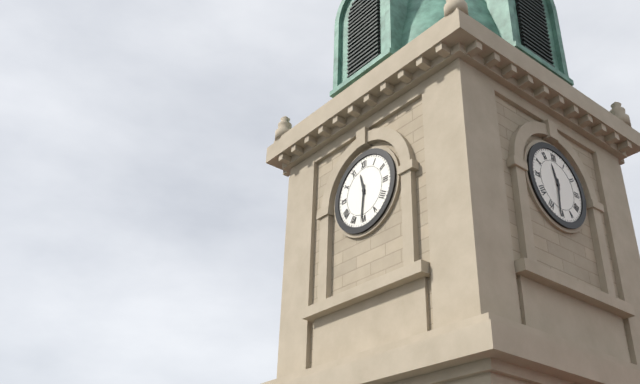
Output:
11,31
